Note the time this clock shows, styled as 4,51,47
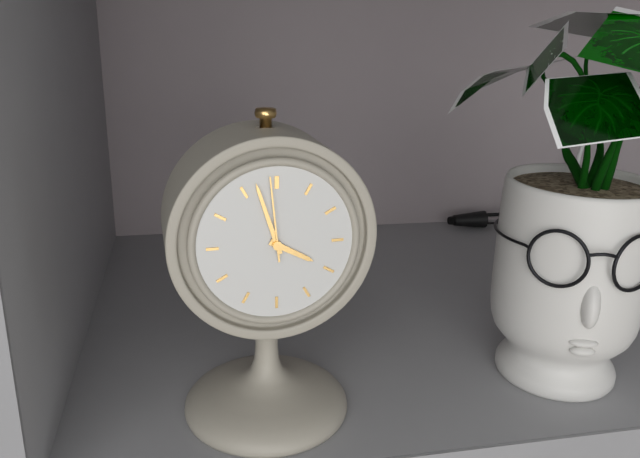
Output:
3,57,59
